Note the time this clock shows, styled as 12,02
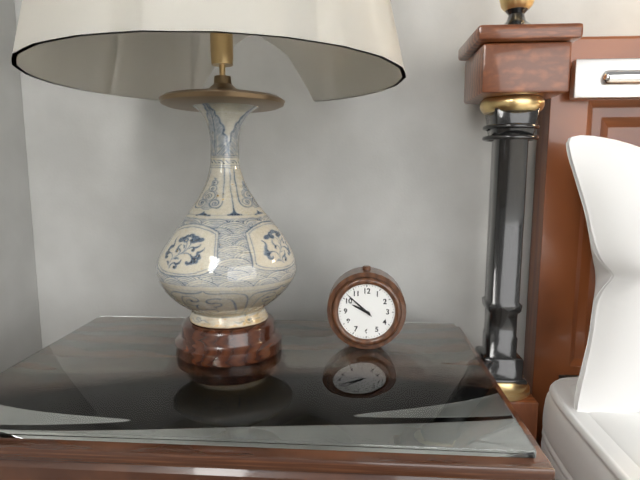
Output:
9,52
